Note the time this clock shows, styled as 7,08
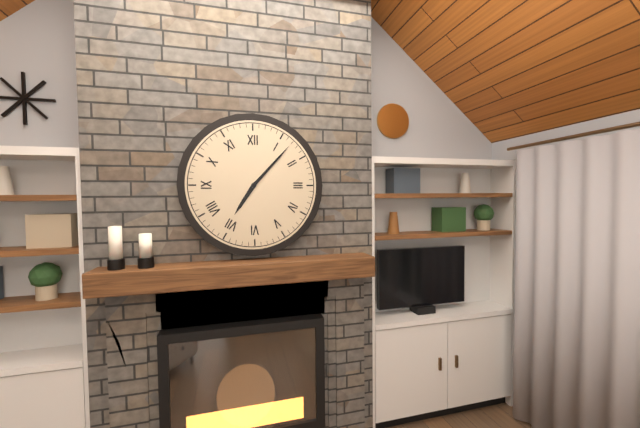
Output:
7,07
